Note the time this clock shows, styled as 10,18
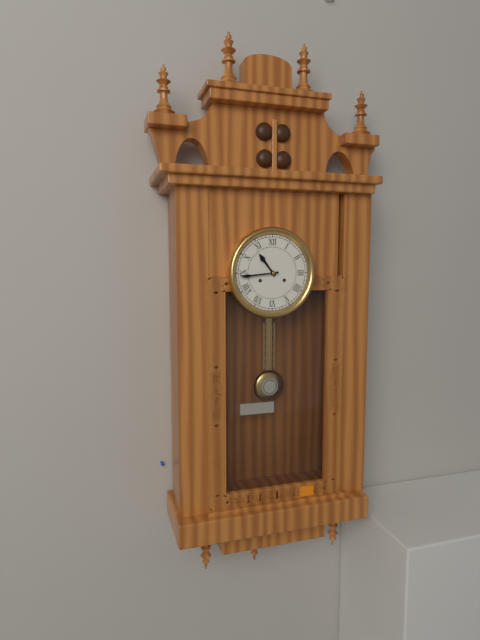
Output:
10,44
